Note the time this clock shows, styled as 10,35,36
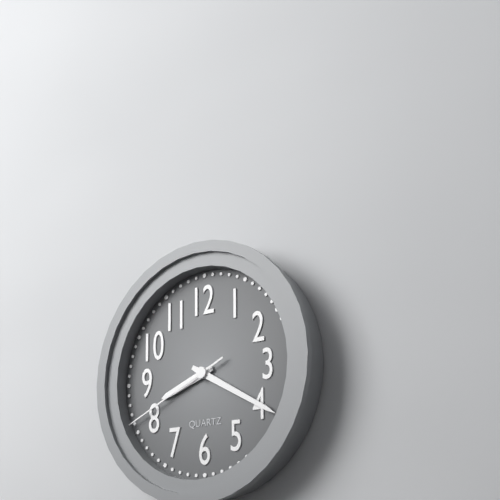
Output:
8,20,41
